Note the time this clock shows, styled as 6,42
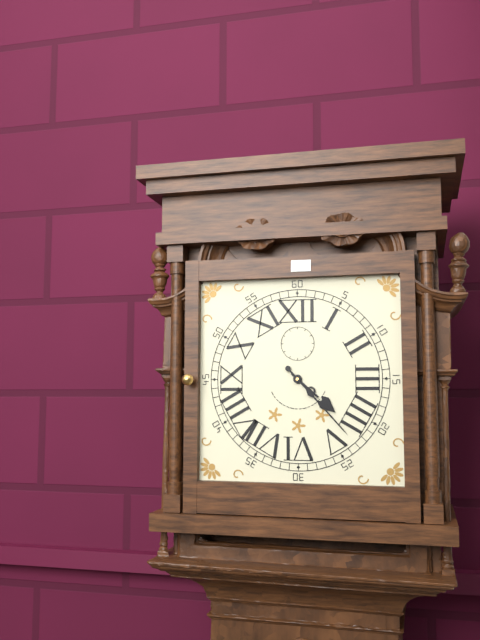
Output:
4,23
